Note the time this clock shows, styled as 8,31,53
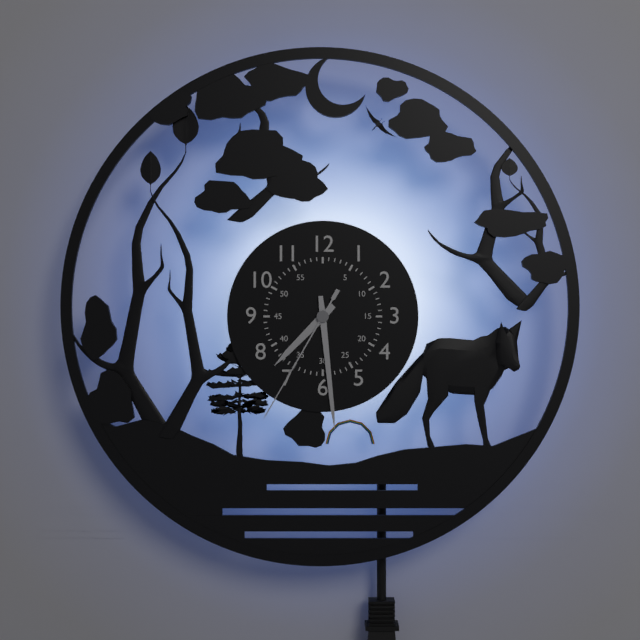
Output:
7,29,35
